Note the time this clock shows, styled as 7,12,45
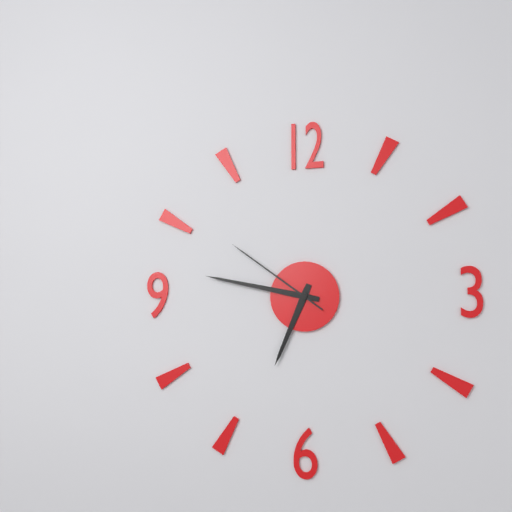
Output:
6,47,51
